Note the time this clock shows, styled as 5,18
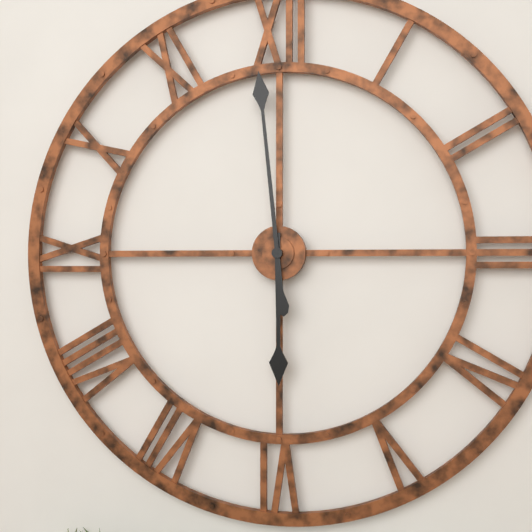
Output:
5,59
